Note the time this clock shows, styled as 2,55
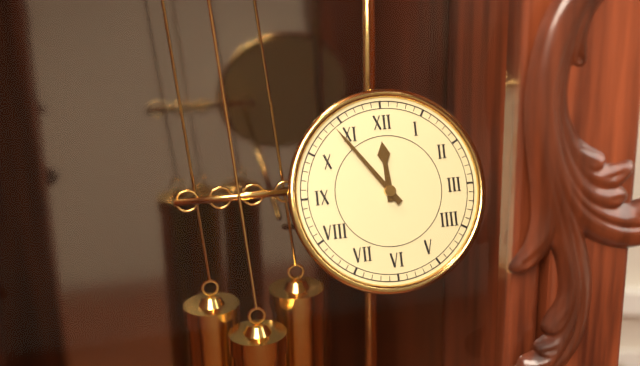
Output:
11,54
